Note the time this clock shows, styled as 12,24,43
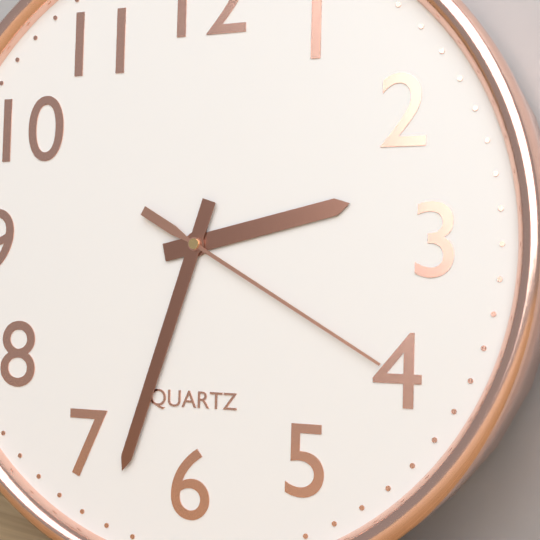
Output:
2,33,20
